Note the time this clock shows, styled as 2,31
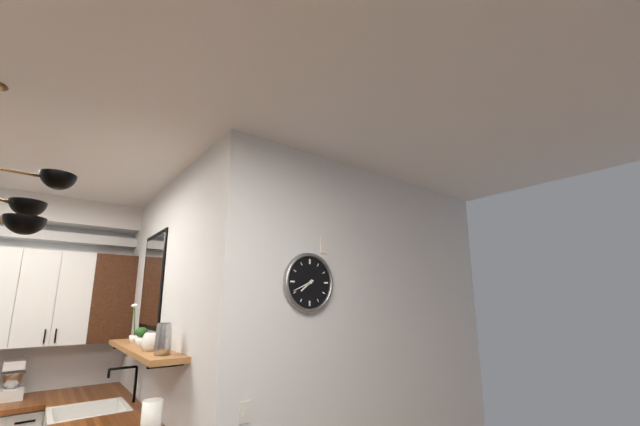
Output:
7,41
